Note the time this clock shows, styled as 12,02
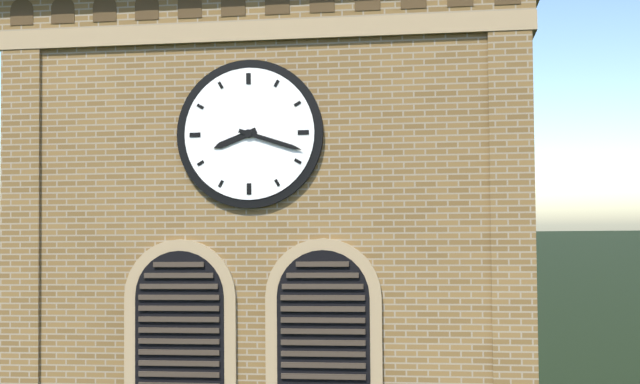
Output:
8,18
